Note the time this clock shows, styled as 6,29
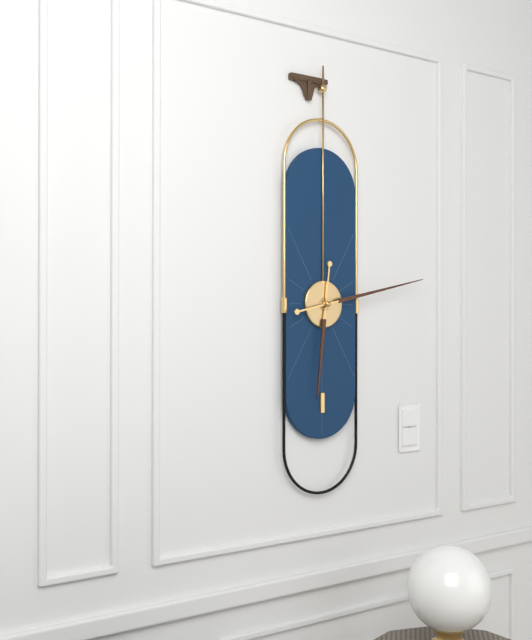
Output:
6,13
